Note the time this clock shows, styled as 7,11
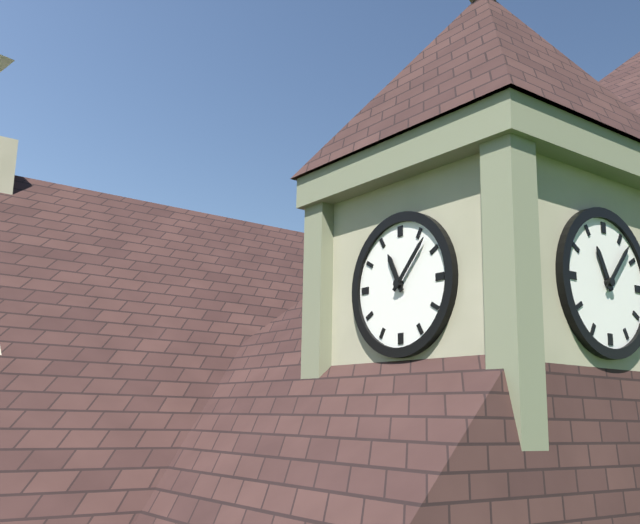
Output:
11,07
